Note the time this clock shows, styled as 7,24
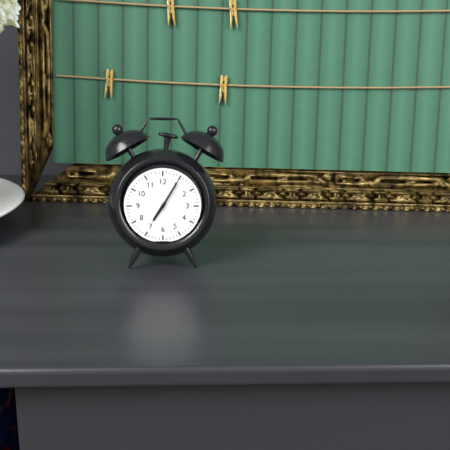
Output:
7,05
